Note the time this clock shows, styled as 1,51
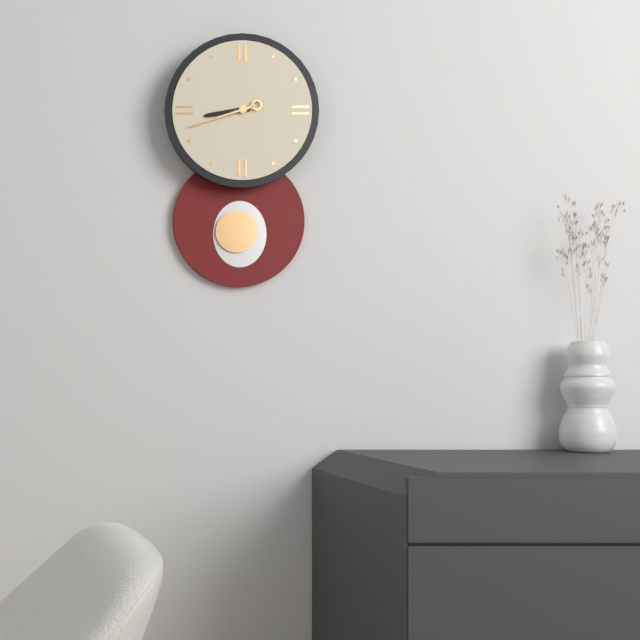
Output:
8,42
